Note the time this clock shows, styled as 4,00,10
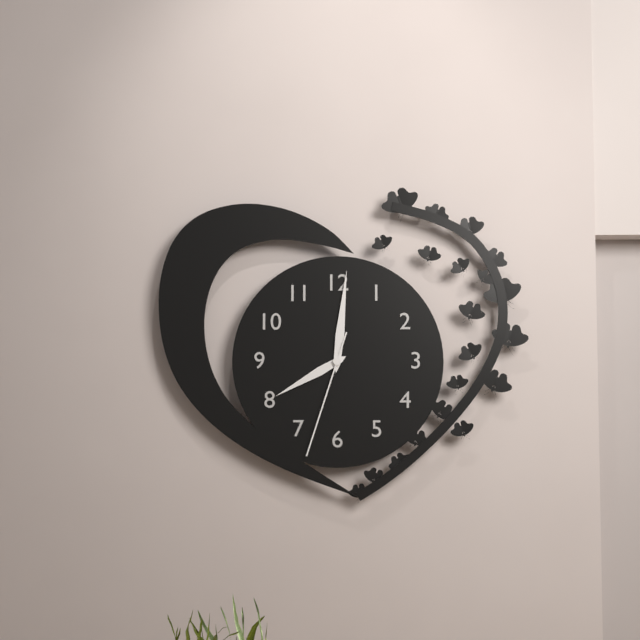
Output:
8,01,33
